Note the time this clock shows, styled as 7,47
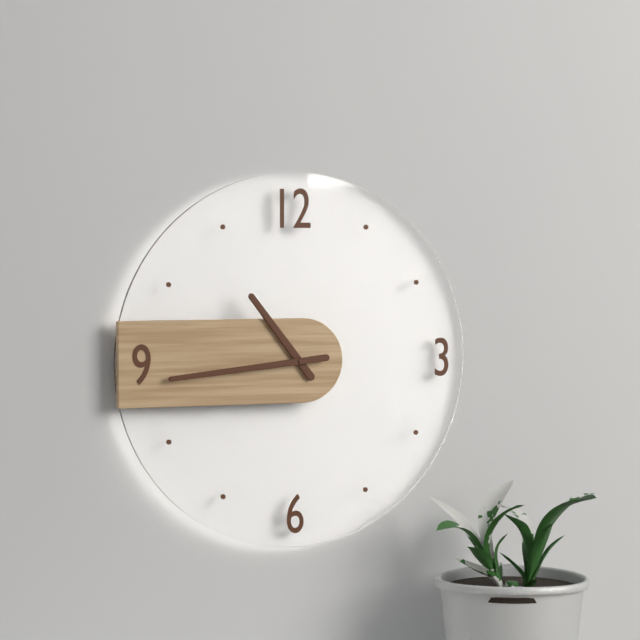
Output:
10,44
